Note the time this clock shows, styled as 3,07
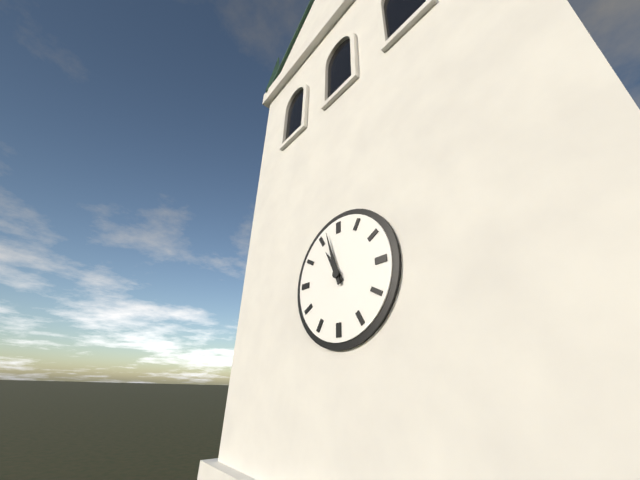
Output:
10,57
